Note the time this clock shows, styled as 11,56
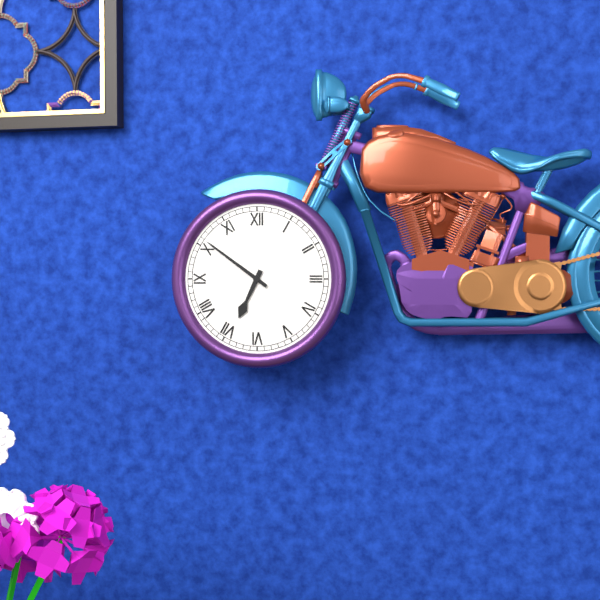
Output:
6,51
